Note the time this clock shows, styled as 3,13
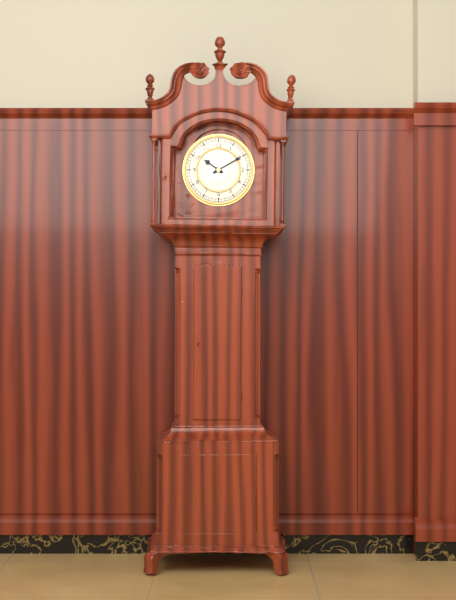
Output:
10,10
